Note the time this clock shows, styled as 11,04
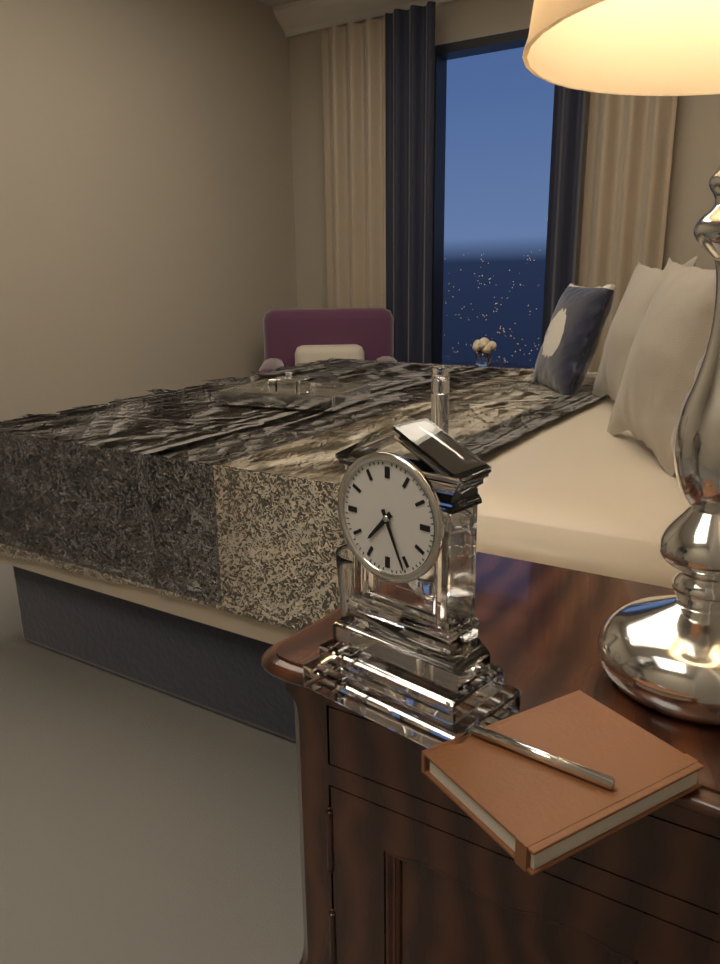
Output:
7,26
